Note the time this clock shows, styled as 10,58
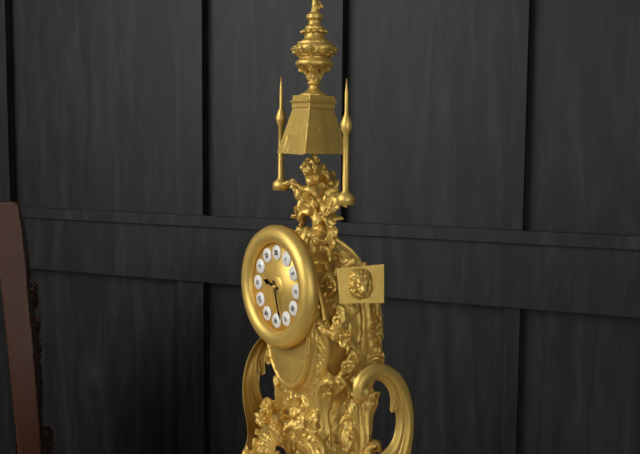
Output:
9,27
